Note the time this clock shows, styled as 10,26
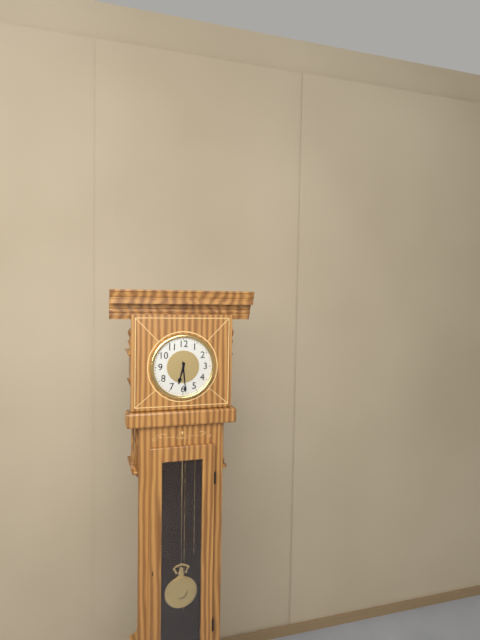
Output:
6,29
